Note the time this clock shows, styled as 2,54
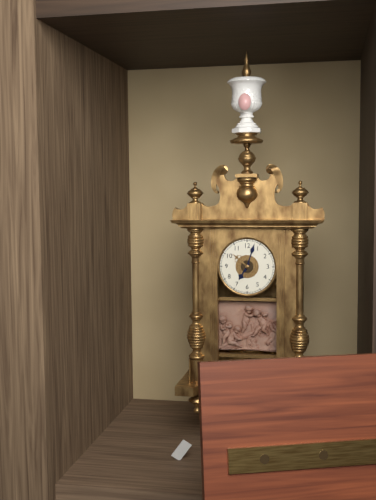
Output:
7,03
